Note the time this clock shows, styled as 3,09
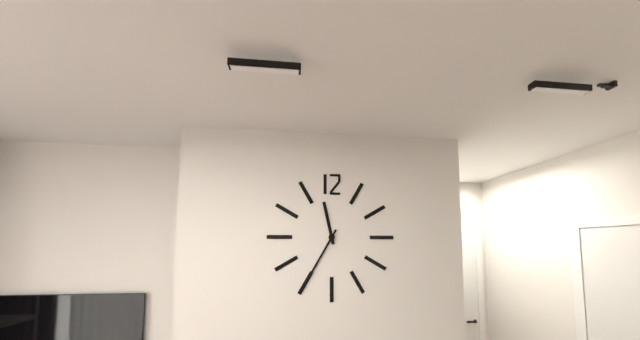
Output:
11,35
